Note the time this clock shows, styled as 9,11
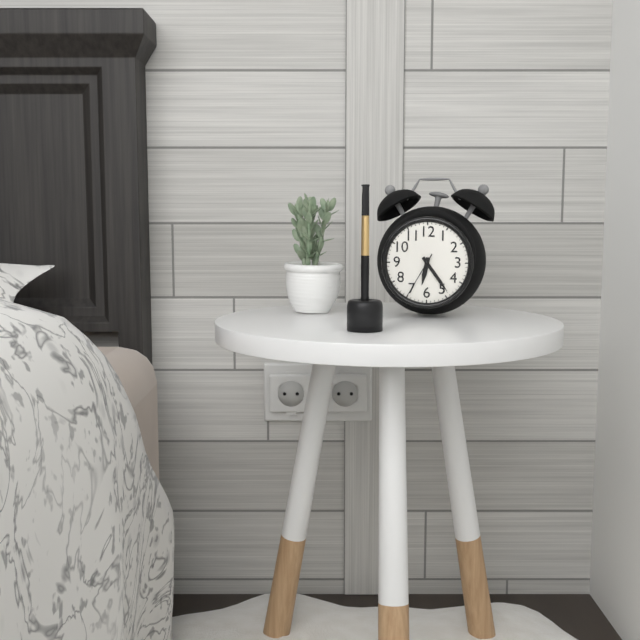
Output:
6,24
